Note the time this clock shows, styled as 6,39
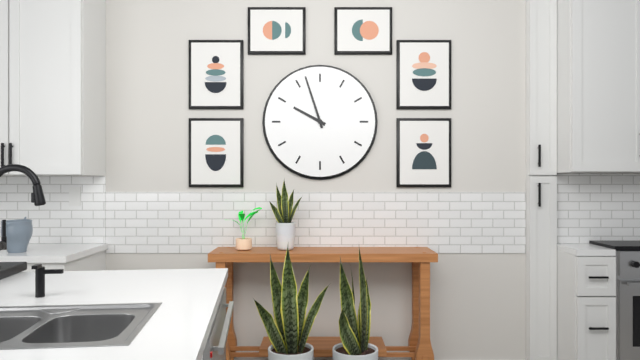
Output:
9,57
